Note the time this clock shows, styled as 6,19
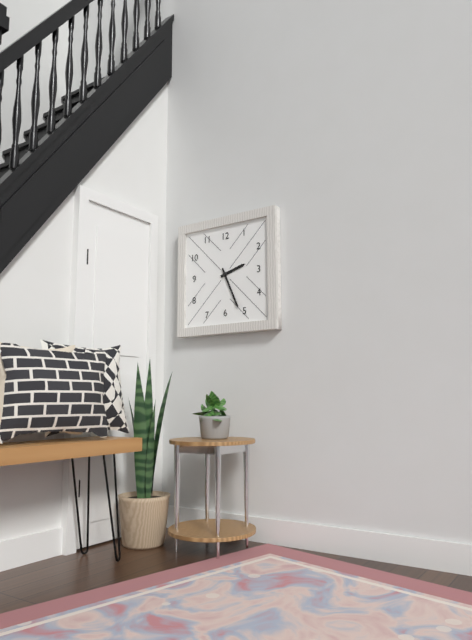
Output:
2,26
